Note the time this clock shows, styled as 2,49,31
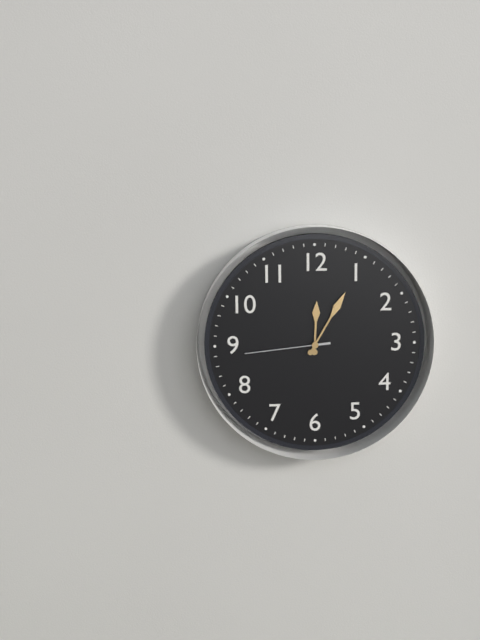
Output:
12,05,44
